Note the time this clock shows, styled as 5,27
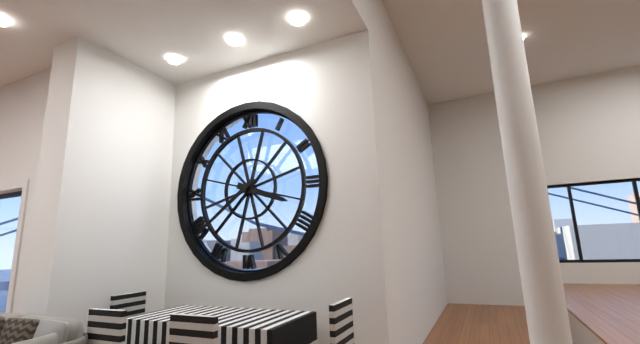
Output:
3,39
